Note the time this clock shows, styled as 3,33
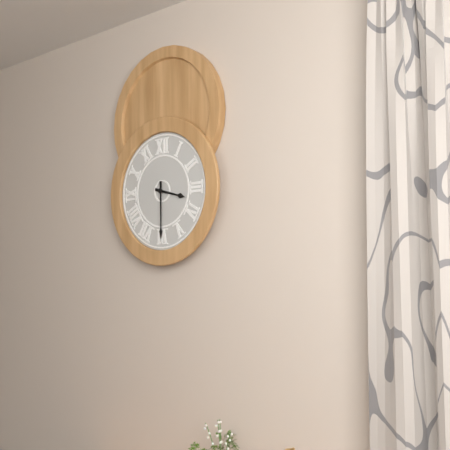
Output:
3,30
